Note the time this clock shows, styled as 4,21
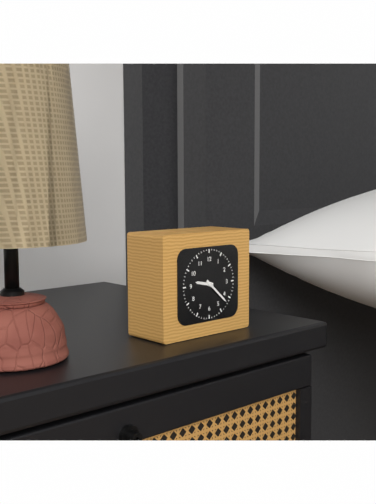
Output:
9,22
